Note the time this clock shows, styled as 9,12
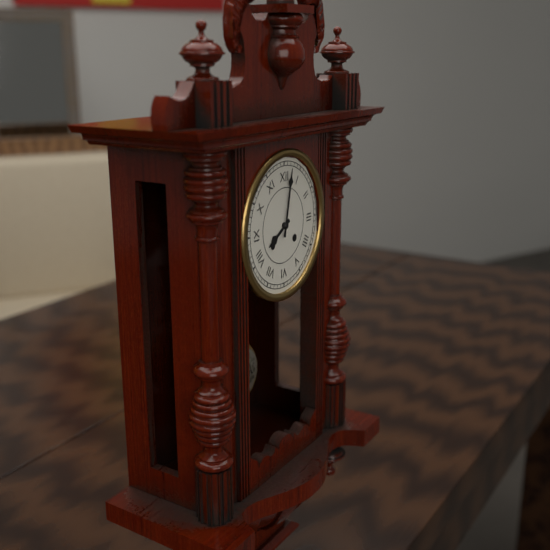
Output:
8,02
